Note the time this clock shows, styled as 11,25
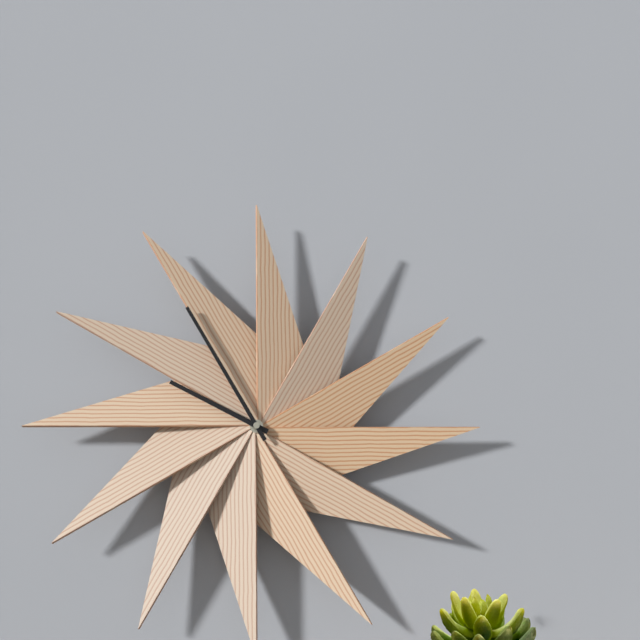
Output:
9,55
